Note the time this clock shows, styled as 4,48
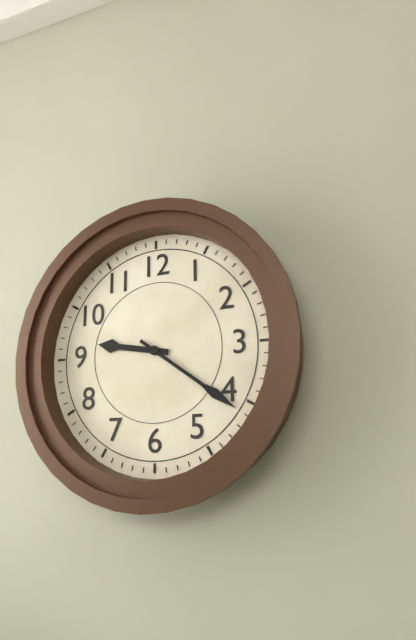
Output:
9,21
